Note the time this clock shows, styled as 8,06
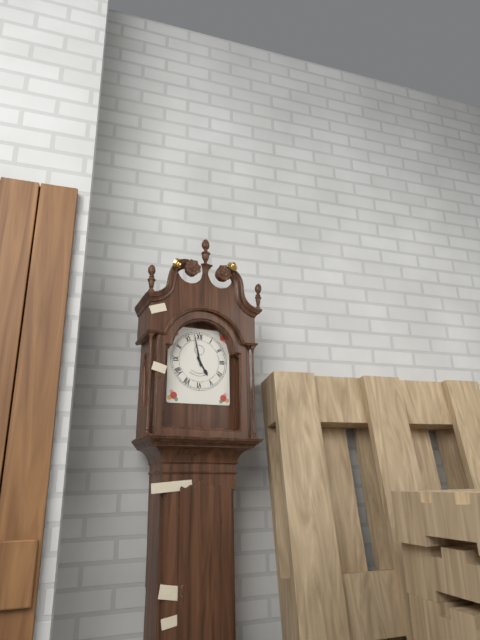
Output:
4,58
